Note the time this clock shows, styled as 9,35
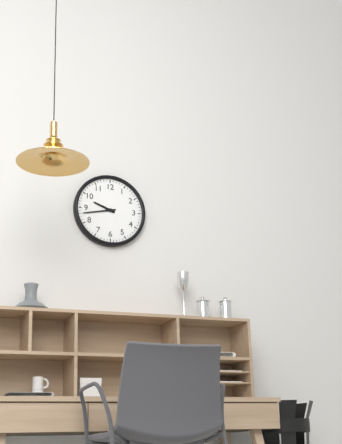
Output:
9,43
